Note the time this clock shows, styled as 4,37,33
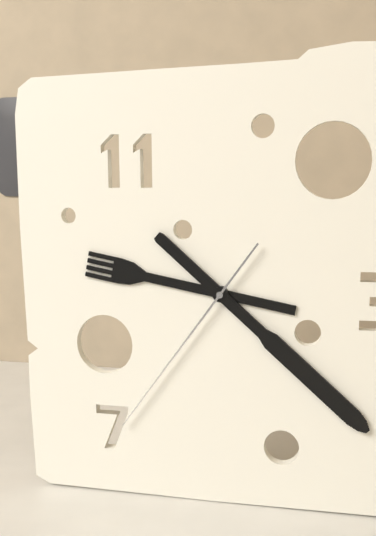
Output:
9,22,36
